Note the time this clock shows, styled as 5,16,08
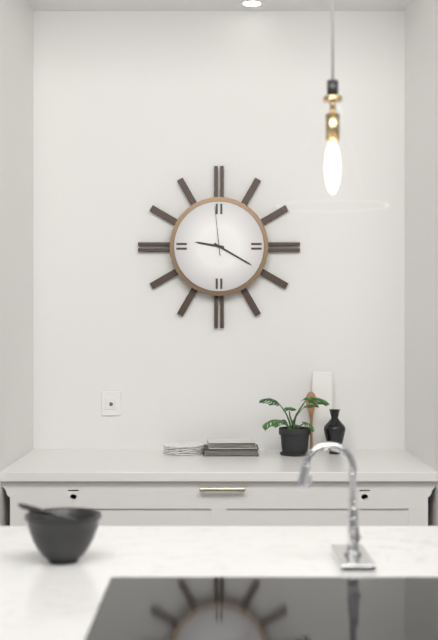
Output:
9,20,59
